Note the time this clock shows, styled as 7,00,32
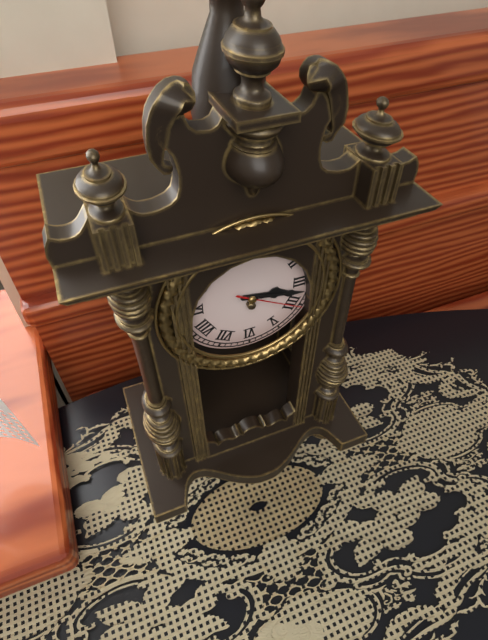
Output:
3,17,20
